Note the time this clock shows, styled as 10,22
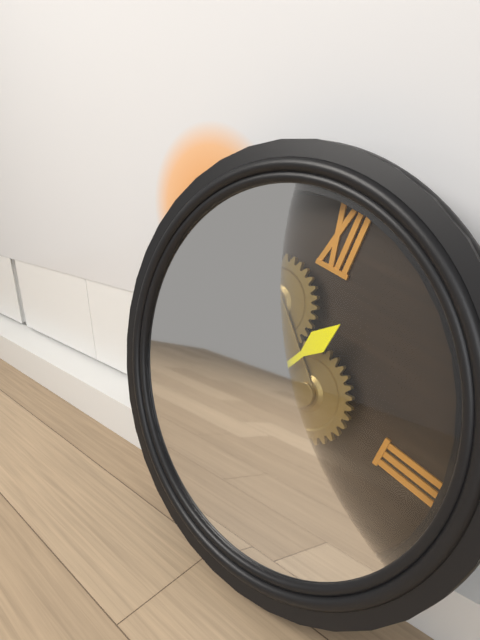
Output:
12,54
